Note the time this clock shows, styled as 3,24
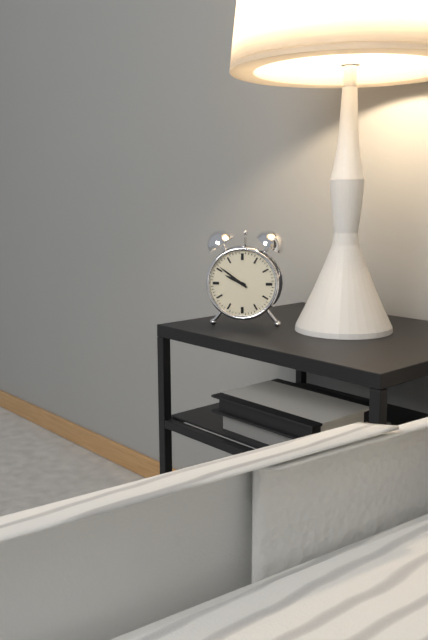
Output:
9,51
